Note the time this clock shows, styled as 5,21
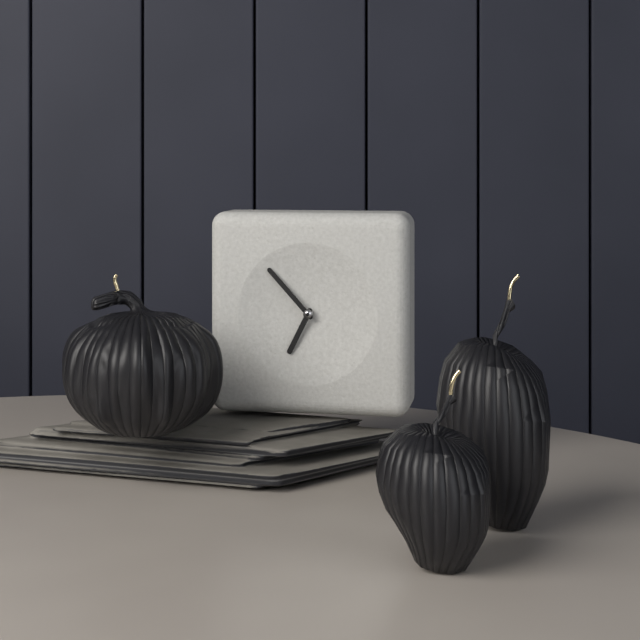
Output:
6,53
